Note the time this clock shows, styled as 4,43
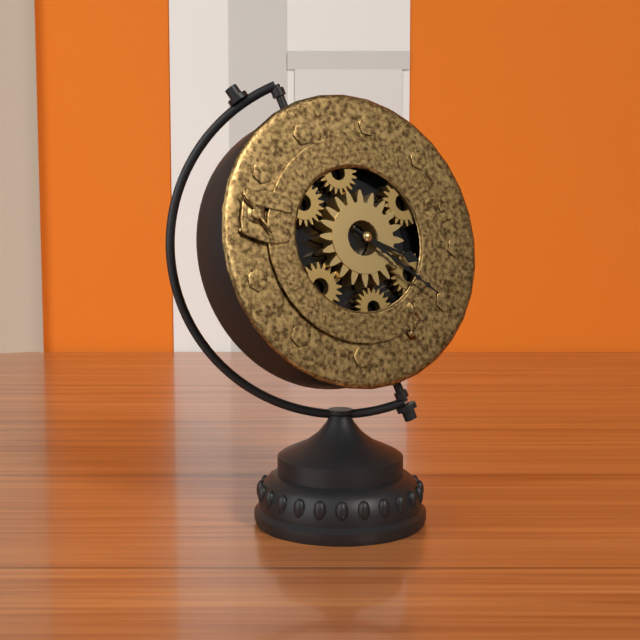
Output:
3,19
